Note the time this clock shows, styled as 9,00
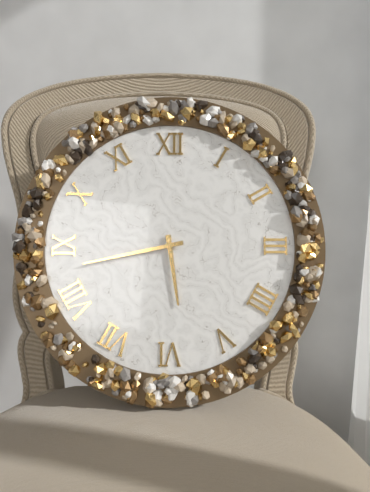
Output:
5,43
